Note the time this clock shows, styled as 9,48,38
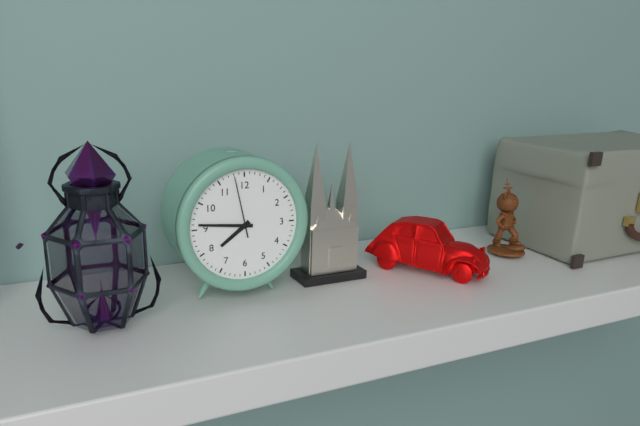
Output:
7,46,58
